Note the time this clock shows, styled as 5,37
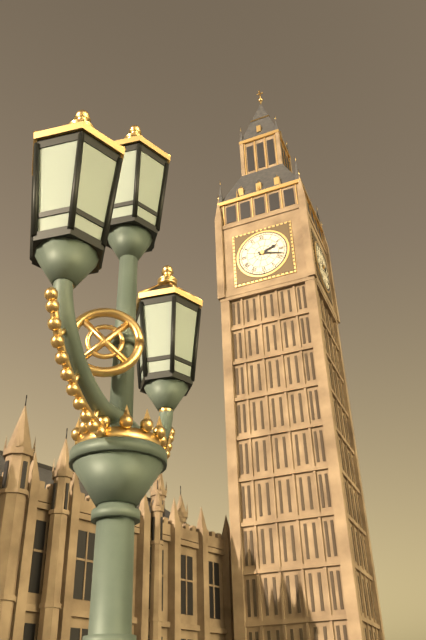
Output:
2,18
